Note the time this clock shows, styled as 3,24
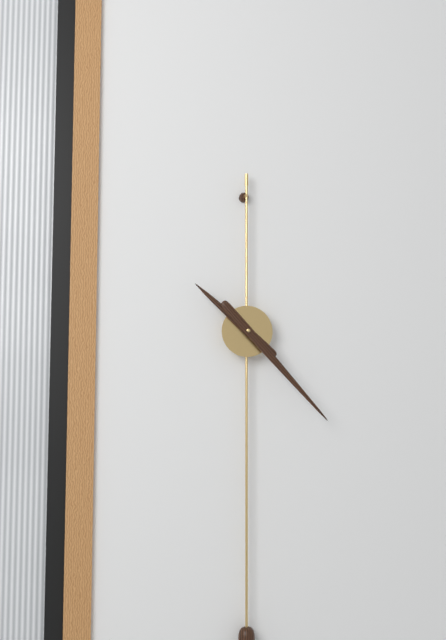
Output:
10,23
